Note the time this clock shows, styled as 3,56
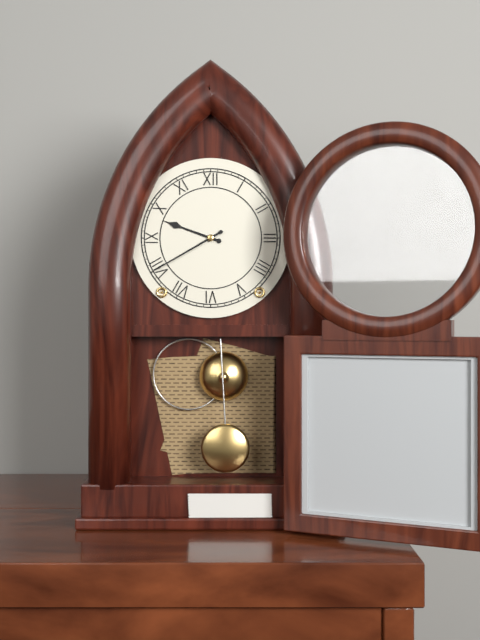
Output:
9,40
